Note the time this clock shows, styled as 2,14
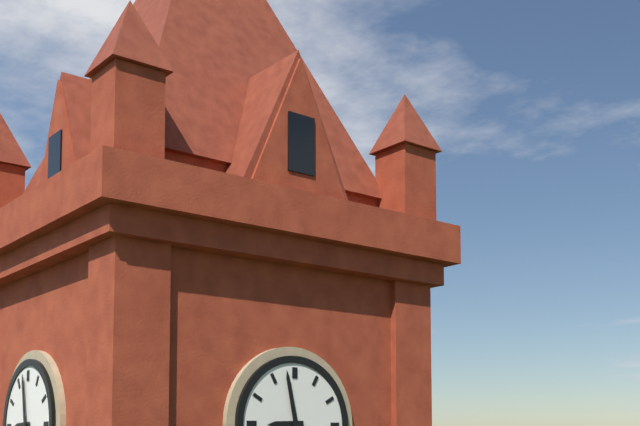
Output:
8,58
